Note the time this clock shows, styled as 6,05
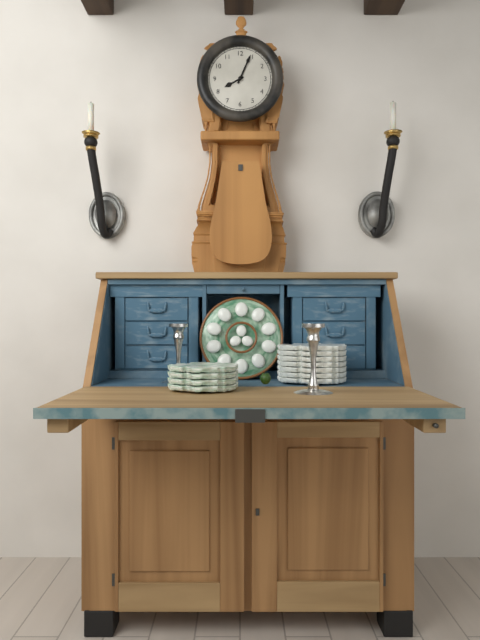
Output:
8,04
